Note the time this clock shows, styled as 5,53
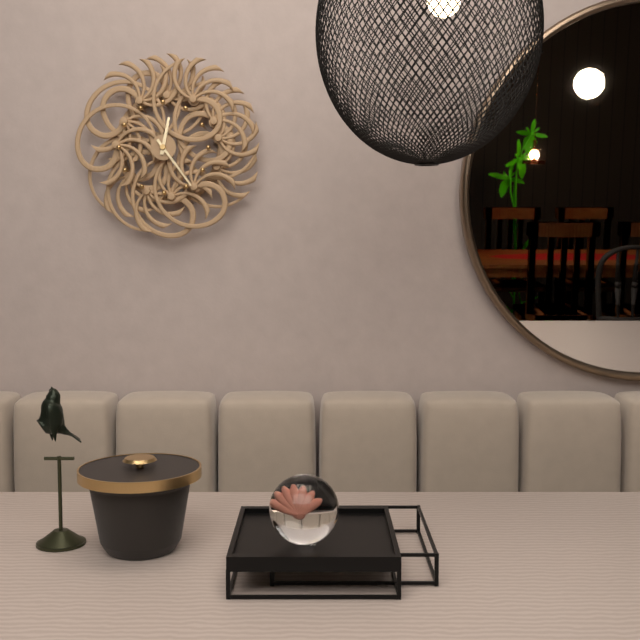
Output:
12,24
